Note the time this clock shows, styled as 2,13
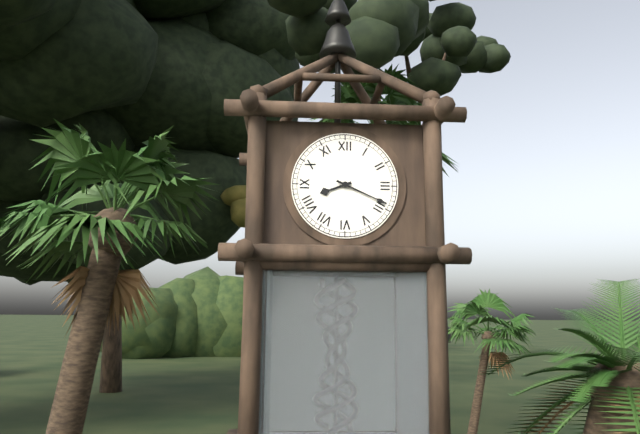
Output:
8,19
